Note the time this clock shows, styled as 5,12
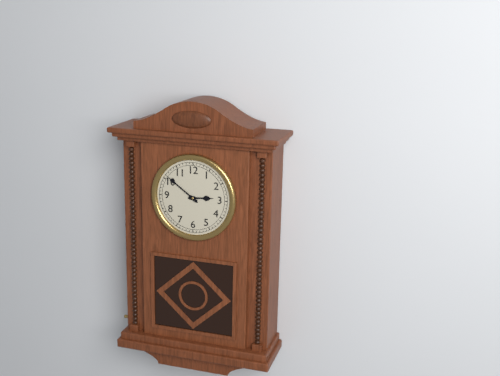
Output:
2,51
